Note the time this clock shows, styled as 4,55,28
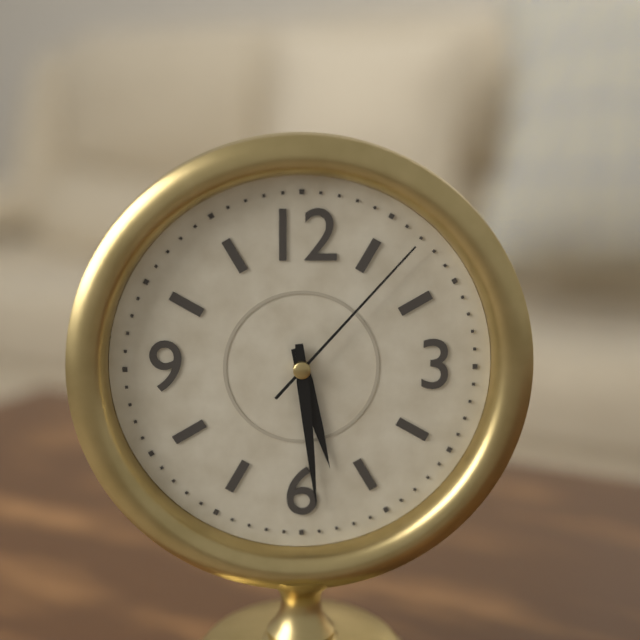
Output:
5,29,07
